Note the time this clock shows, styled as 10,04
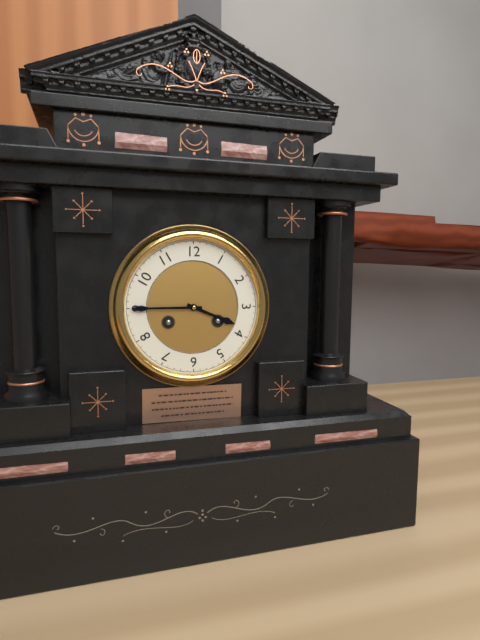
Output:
3,45
